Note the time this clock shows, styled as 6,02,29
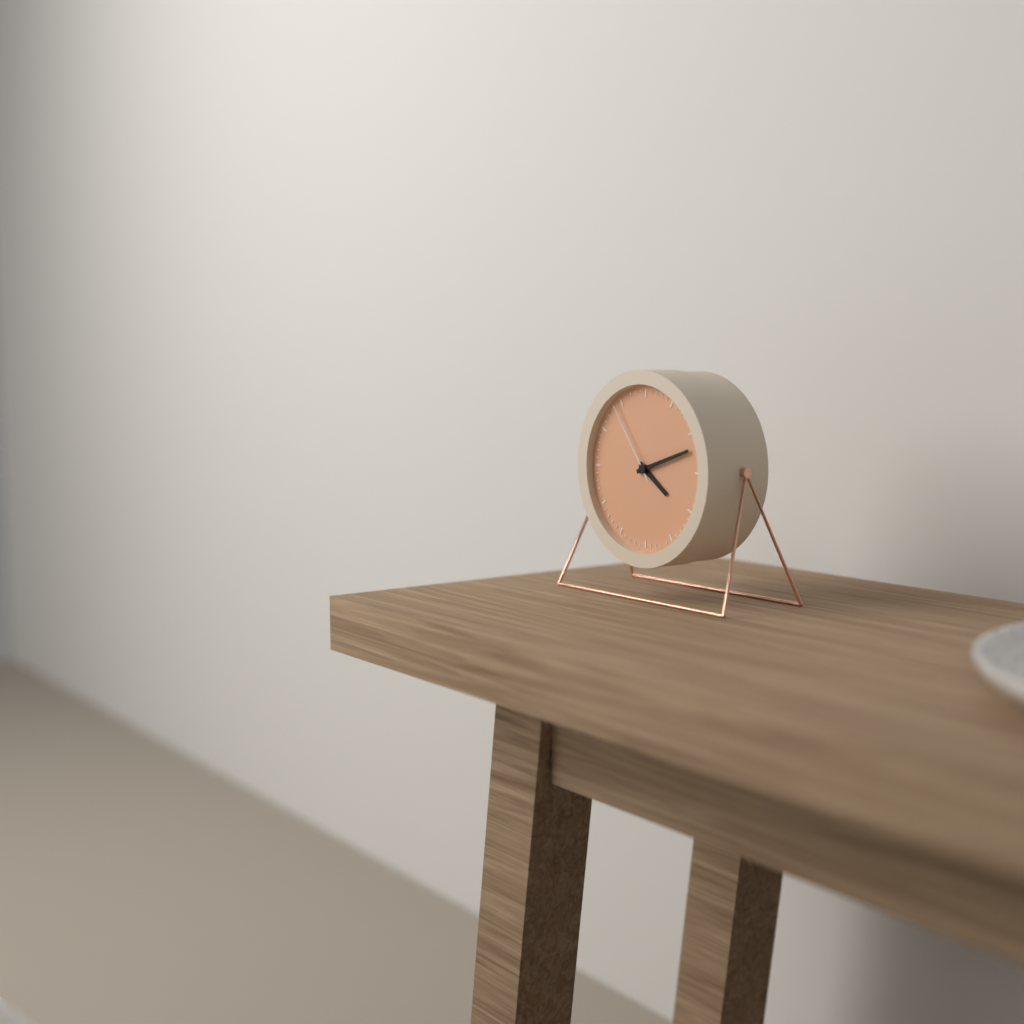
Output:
4,12,54
